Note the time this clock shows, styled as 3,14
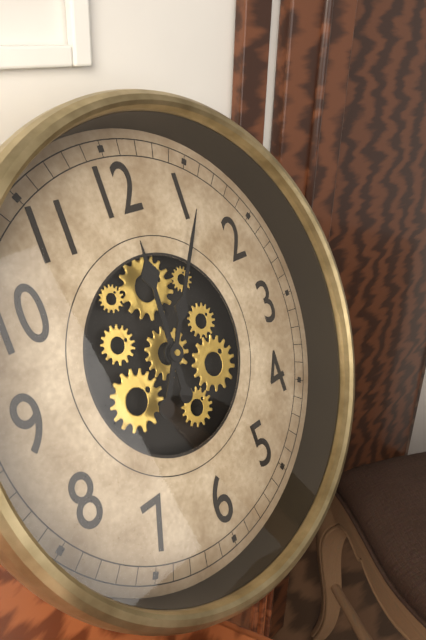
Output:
12,06
